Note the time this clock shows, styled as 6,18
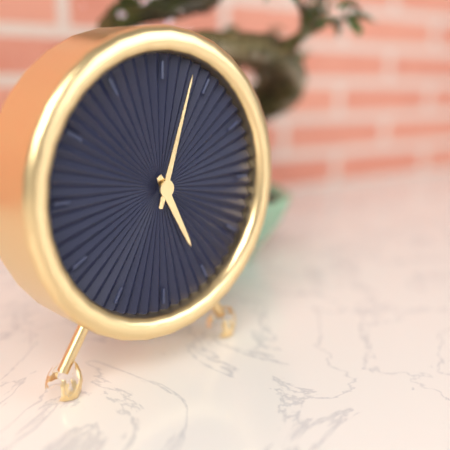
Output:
5,03
